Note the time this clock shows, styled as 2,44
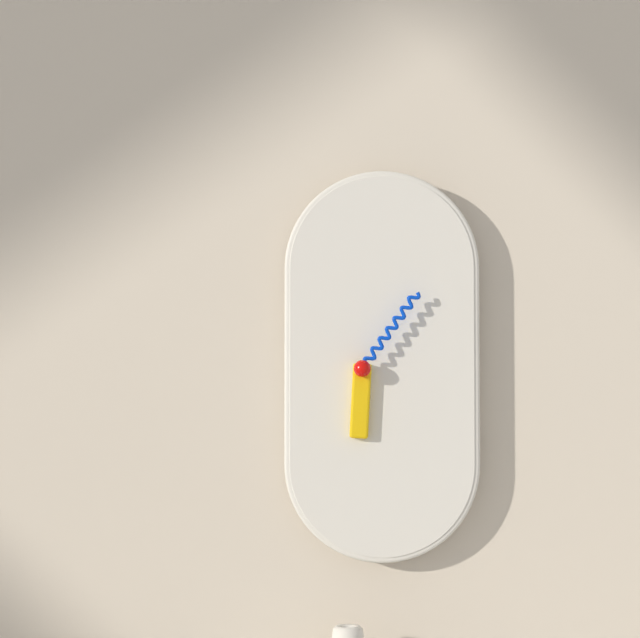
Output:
6,06
